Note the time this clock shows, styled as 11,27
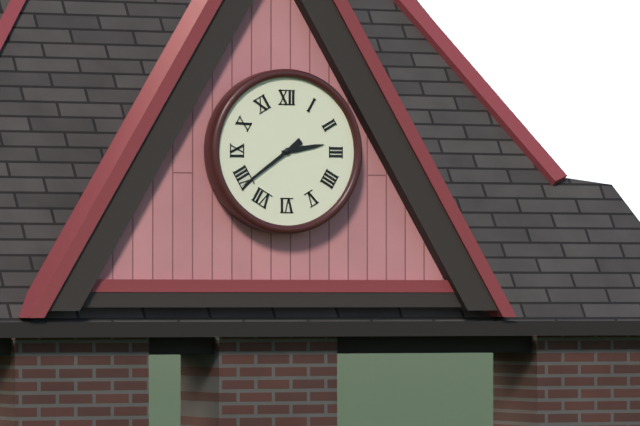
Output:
2,39
